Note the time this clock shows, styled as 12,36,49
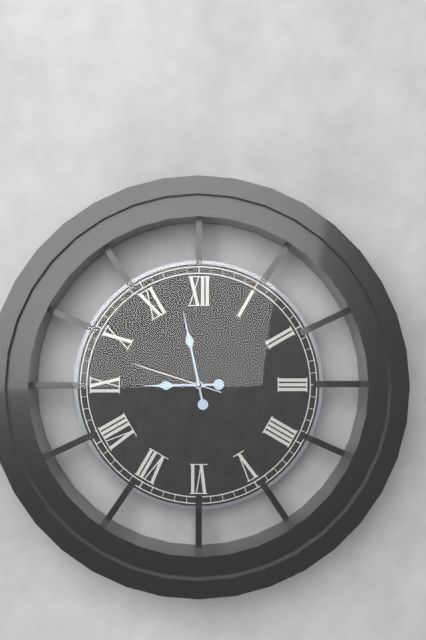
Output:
8,58,48
